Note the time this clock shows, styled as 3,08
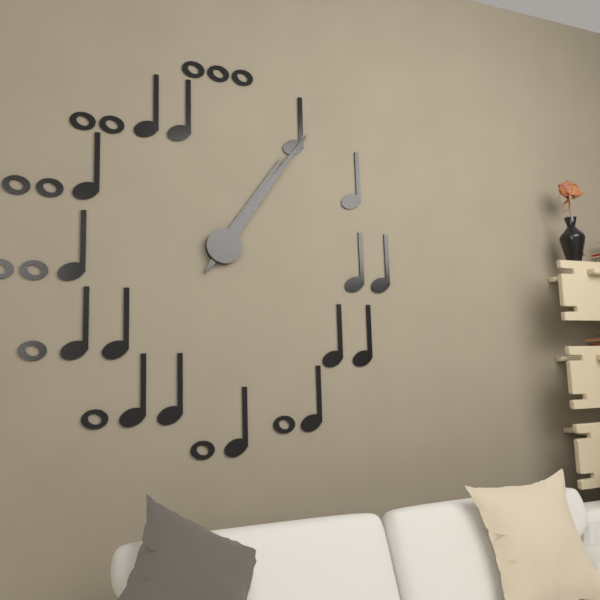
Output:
1,06
